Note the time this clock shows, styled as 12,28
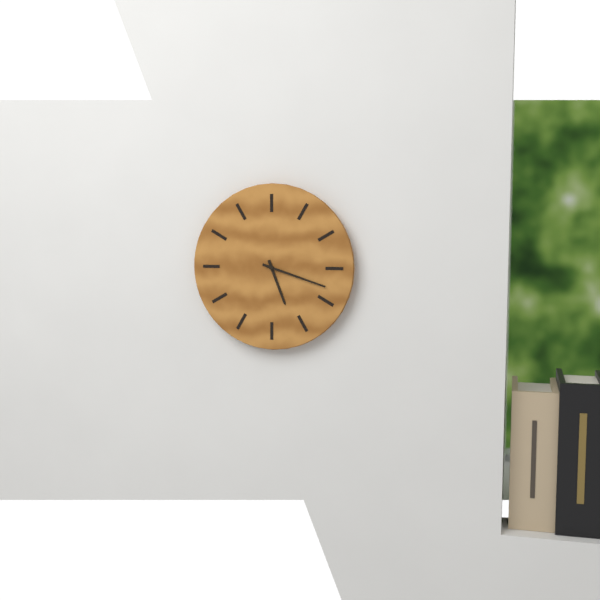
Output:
5,18
